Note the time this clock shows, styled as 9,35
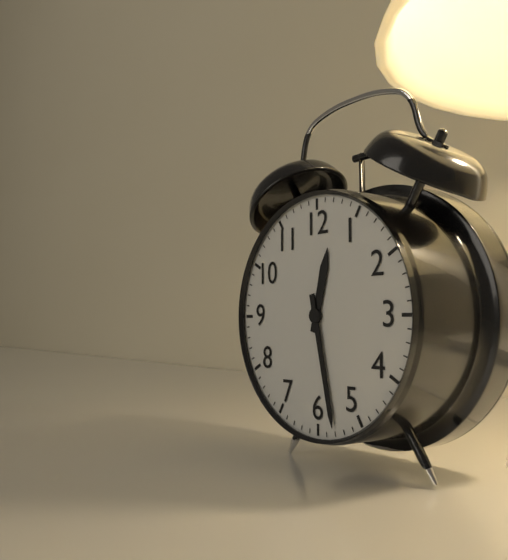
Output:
12,28
